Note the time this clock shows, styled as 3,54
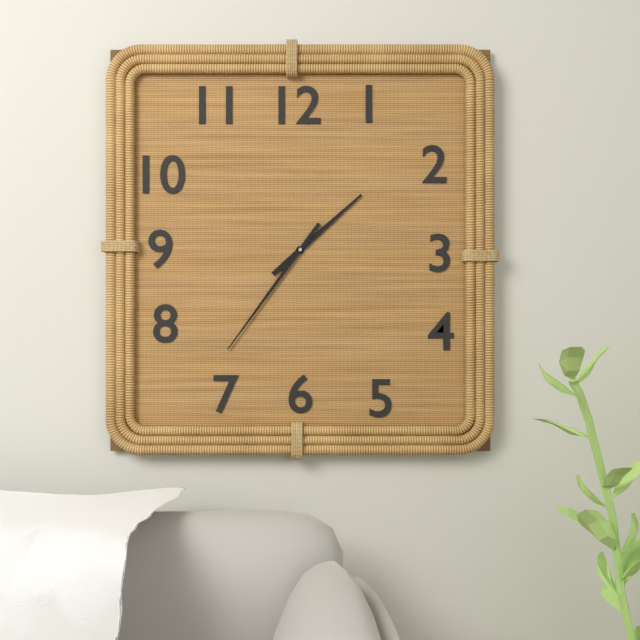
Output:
1,36
